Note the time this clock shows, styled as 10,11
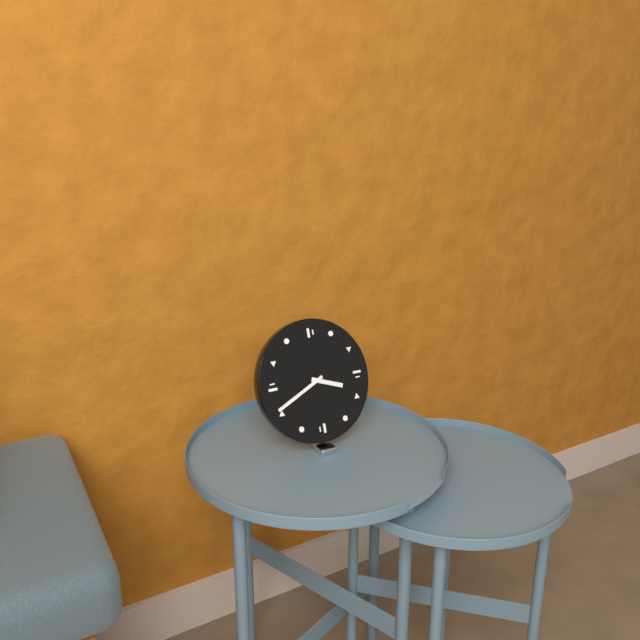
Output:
3,41
